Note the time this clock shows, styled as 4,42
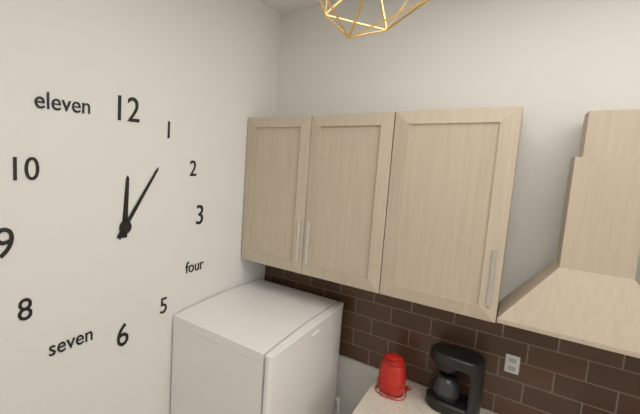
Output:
12,06
